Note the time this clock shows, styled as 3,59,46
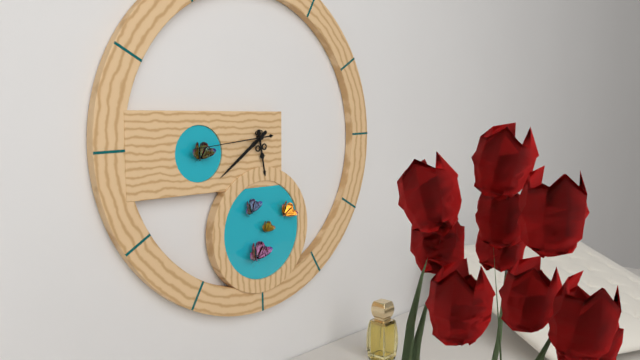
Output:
5,39,44
